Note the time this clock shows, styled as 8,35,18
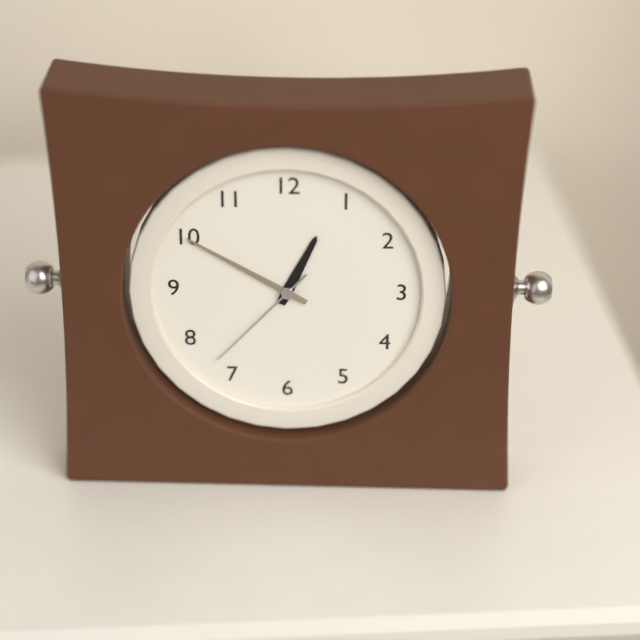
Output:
12,50,37
